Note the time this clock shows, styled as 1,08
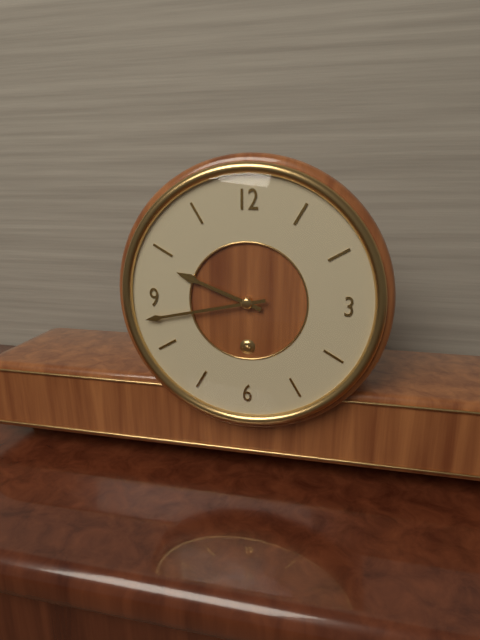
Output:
9,43
